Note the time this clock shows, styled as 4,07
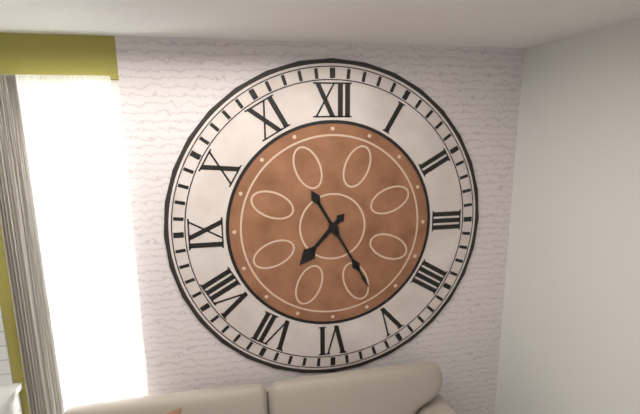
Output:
7,25
